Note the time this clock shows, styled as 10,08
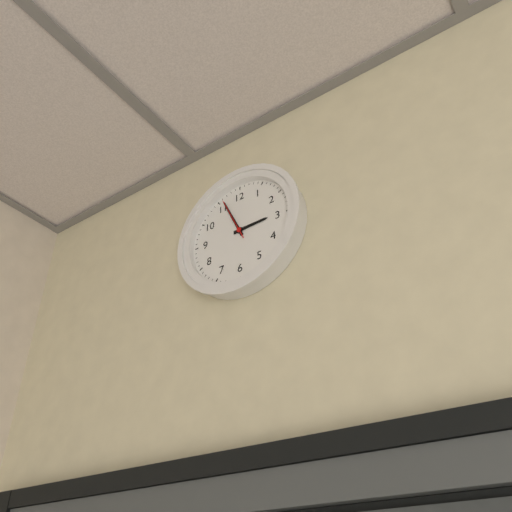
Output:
2,56
